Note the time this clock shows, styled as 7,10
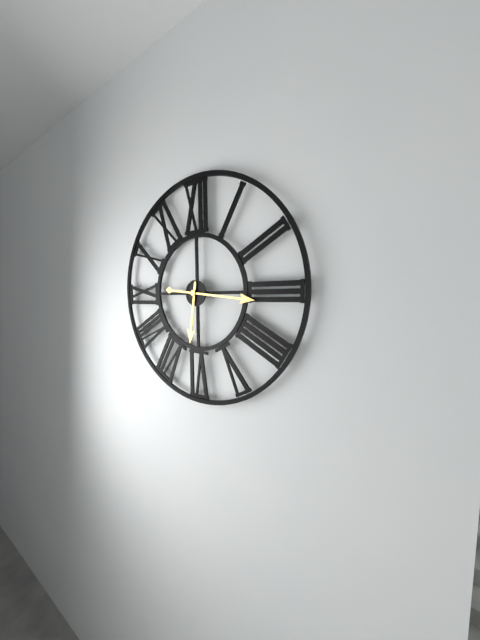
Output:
6,16
